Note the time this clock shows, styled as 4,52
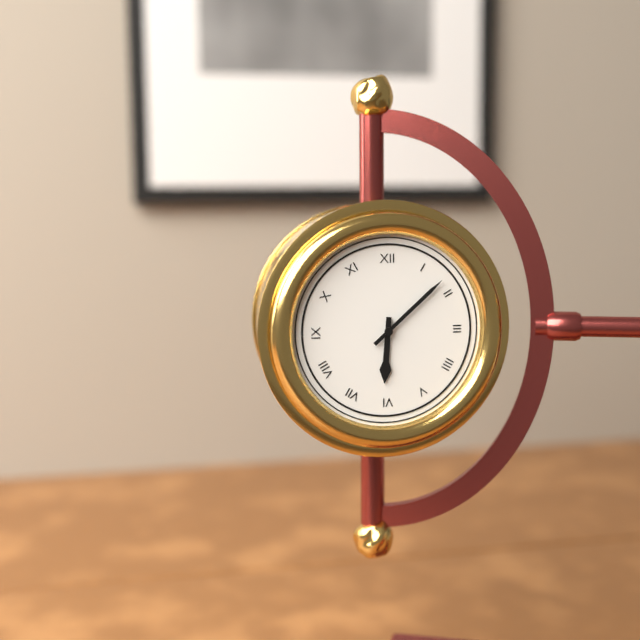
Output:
6,08
